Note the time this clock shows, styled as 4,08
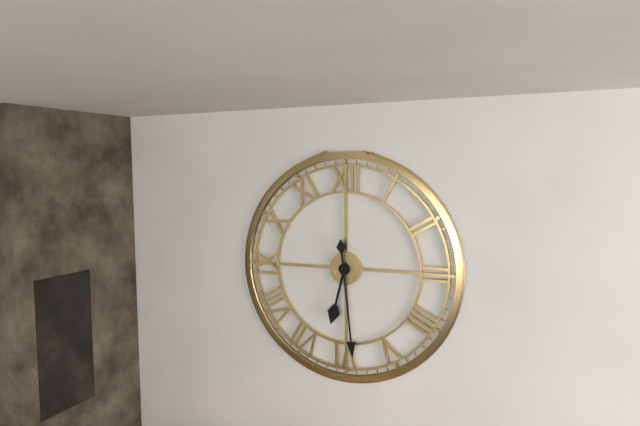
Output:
6,29
